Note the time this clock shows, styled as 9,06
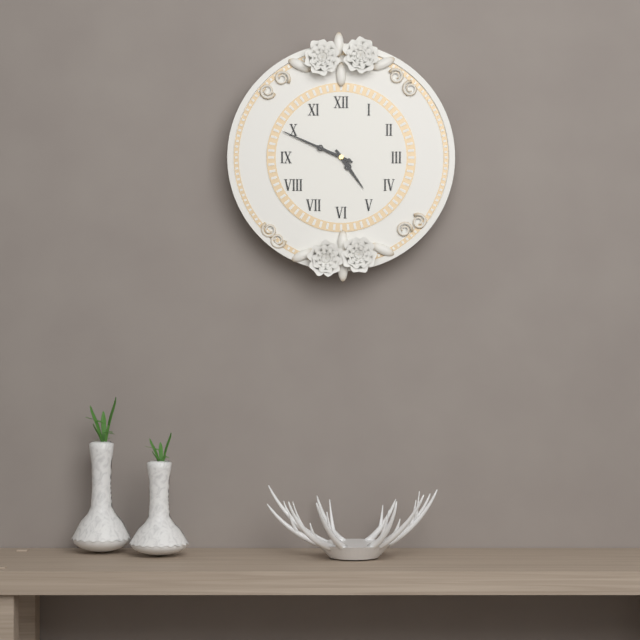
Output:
4,49
